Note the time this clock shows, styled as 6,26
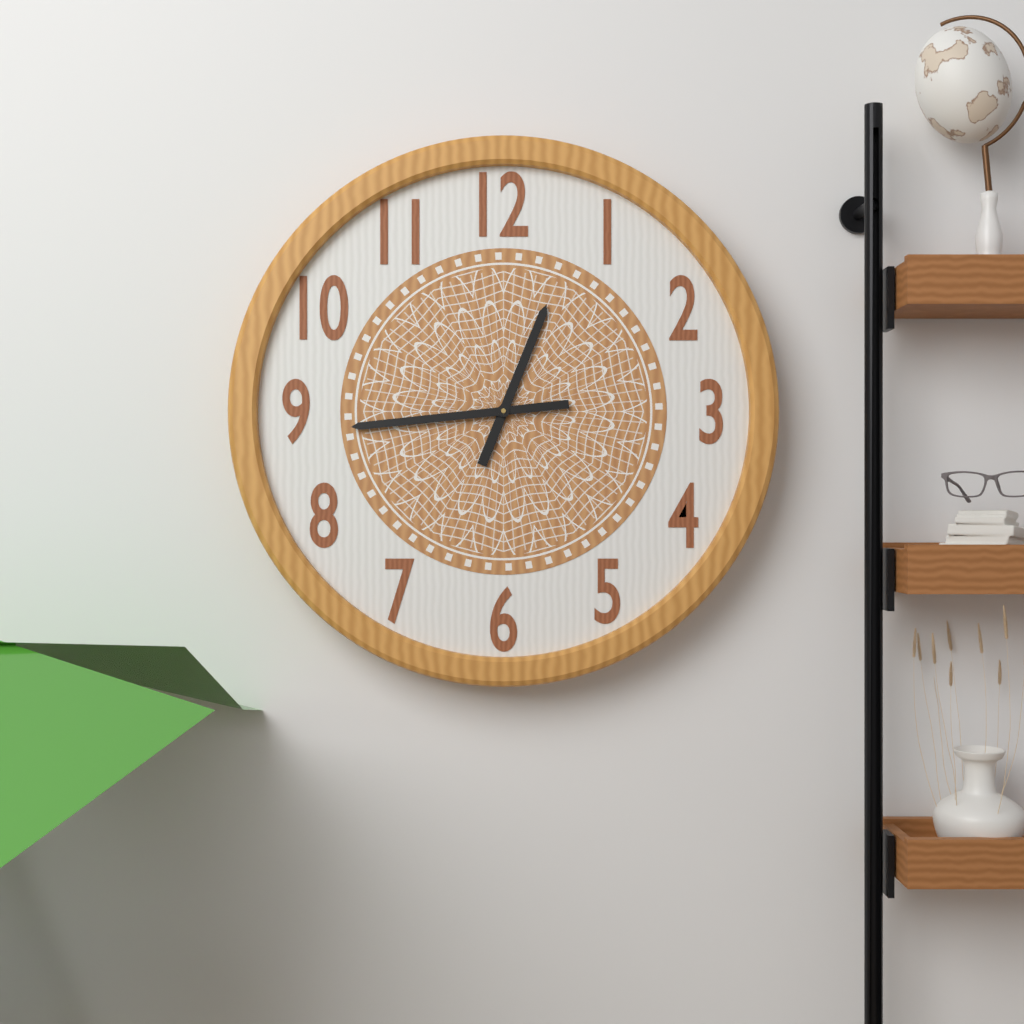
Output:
12,44
